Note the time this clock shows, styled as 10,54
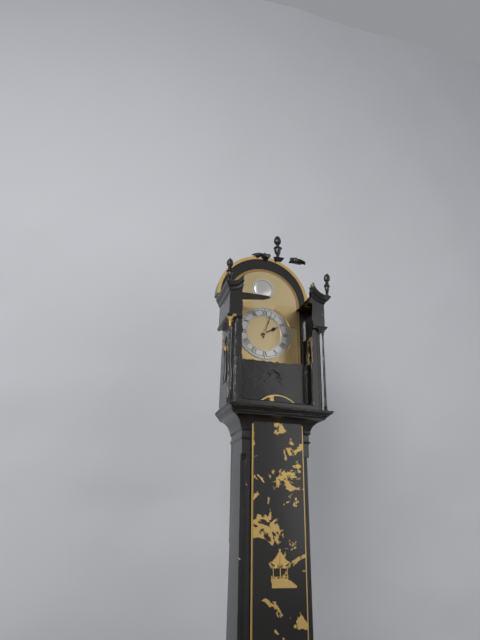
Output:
2,03
